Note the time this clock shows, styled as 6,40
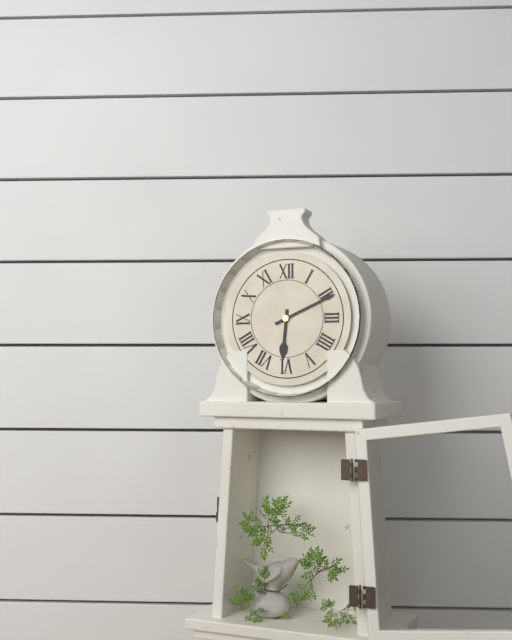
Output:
6,11
